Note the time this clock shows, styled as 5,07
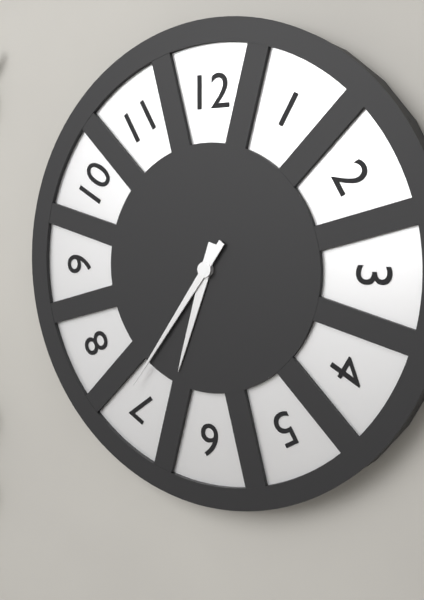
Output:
6,36
